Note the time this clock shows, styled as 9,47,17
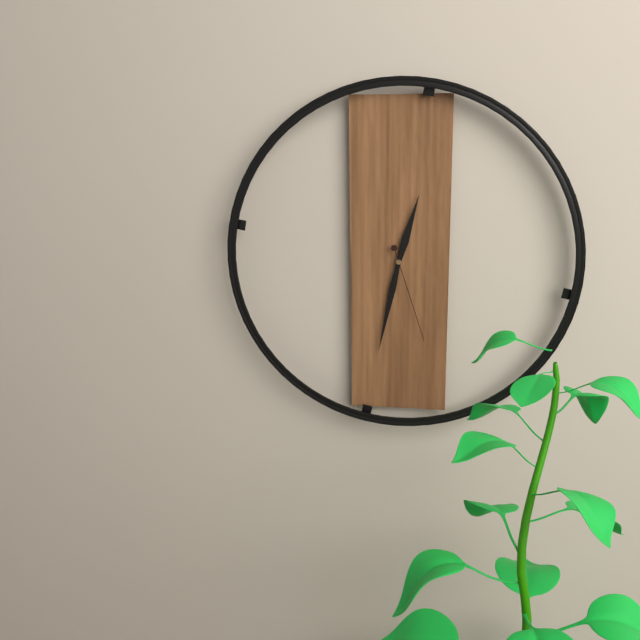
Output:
12,32,27
